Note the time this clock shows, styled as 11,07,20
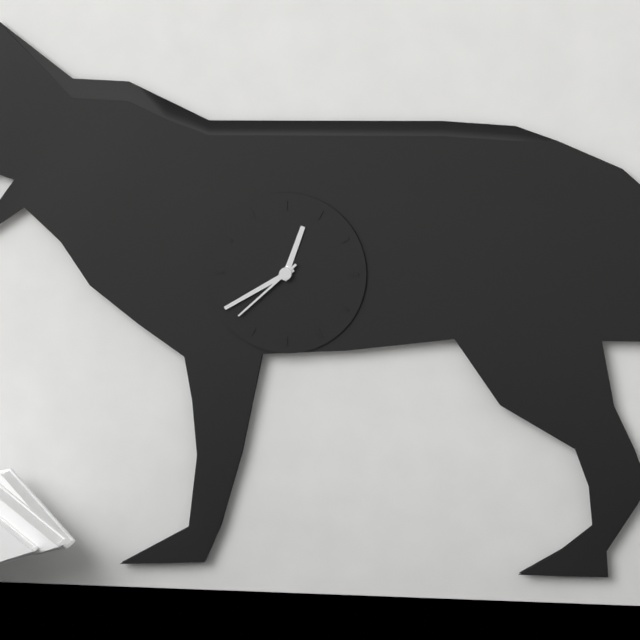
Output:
12,40,38
